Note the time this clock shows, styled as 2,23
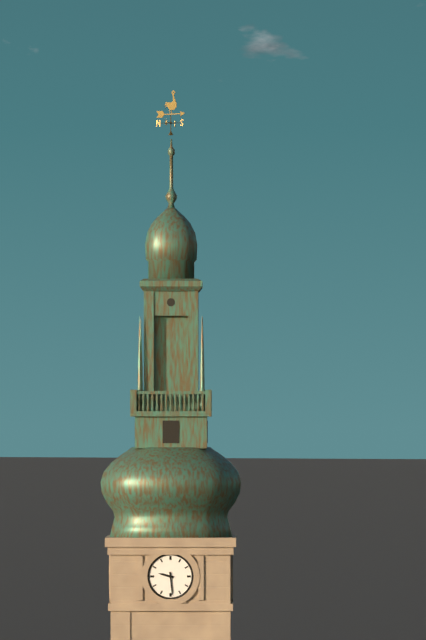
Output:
9,29
